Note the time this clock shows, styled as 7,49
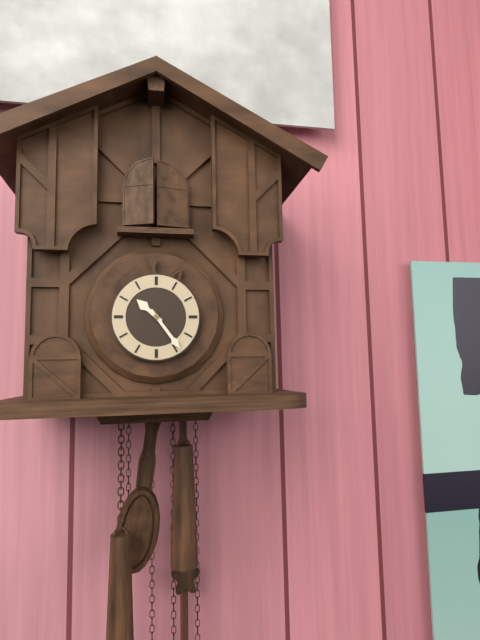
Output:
10,24
